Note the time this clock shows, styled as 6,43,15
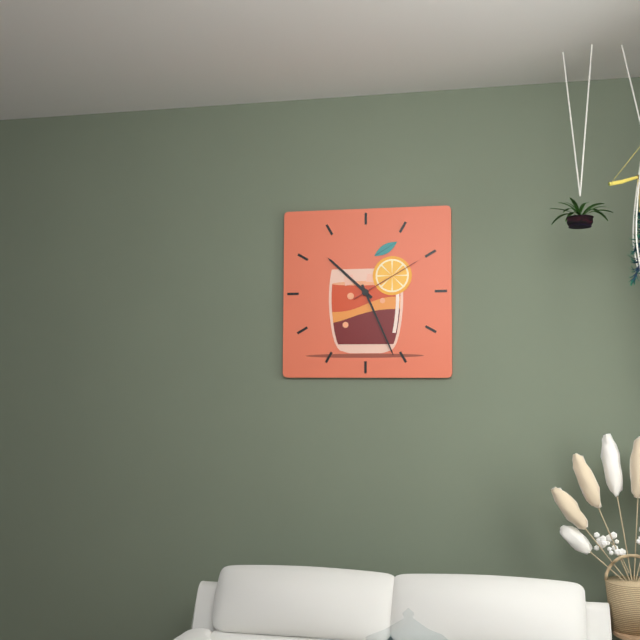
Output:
10,26,10
